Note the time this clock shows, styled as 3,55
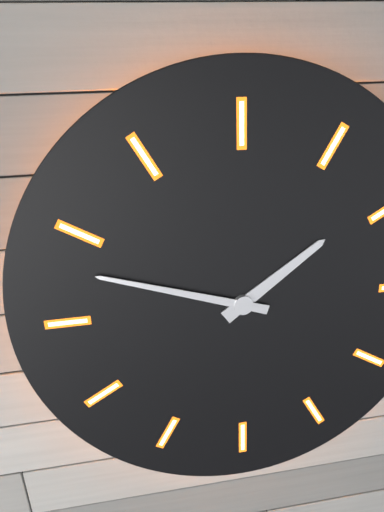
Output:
1,48
